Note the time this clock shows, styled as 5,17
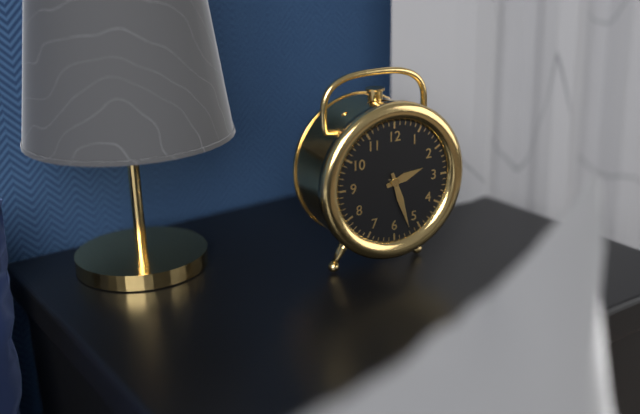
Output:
2,27
